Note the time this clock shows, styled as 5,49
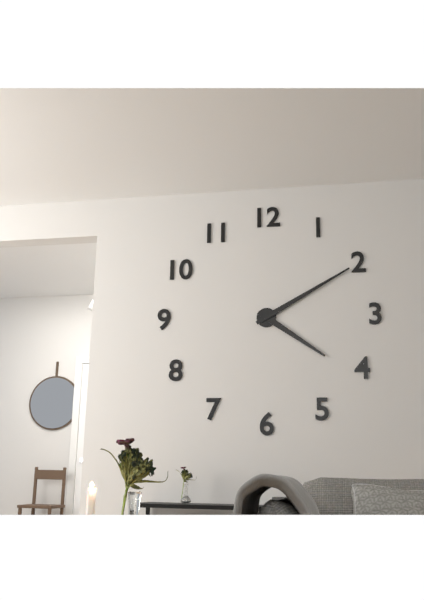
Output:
4,10
